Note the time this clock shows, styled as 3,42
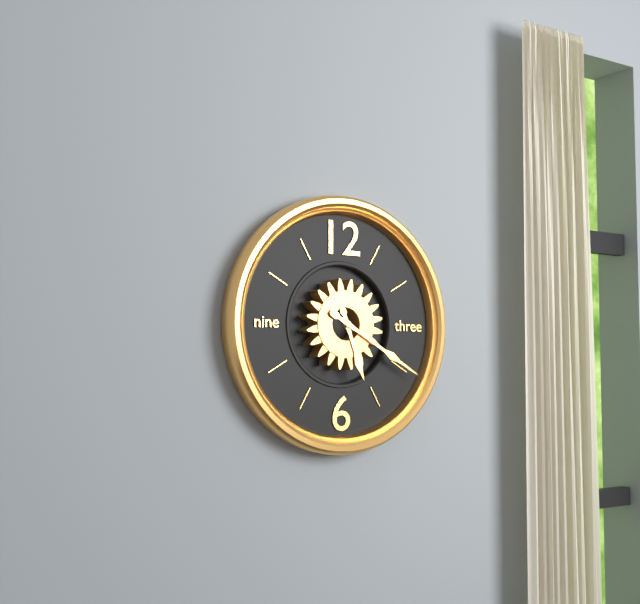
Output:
5,20
